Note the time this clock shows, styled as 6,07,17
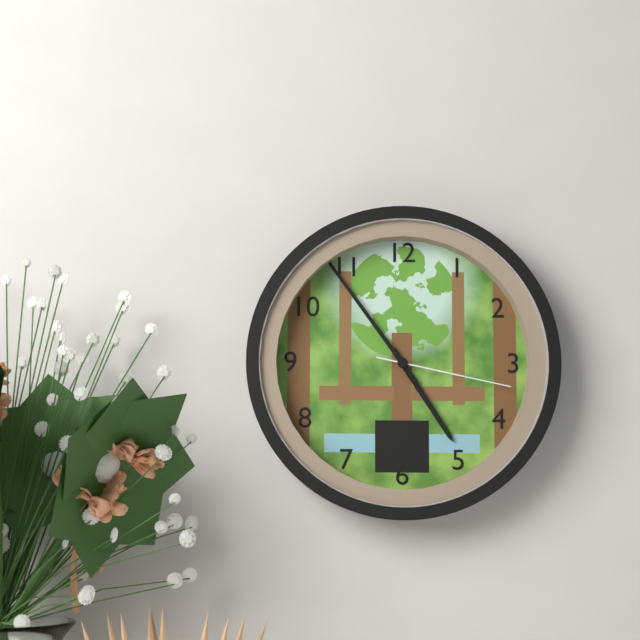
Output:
4,54,17
